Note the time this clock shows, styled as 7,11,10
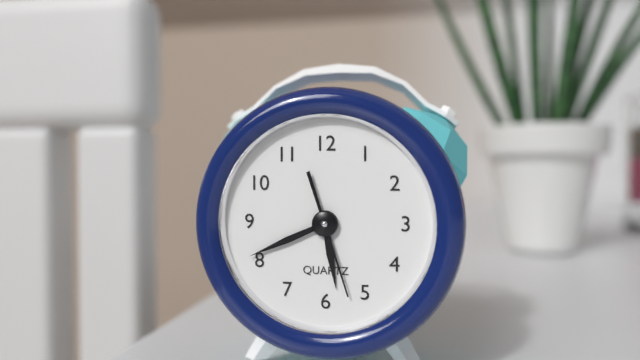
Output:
5,41,27
